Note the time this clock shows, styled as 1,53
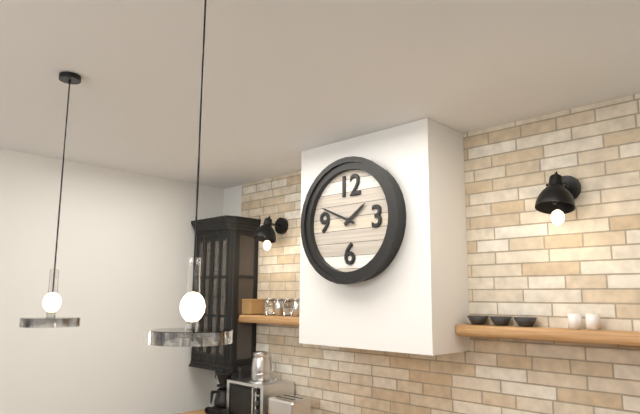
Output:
1,49
